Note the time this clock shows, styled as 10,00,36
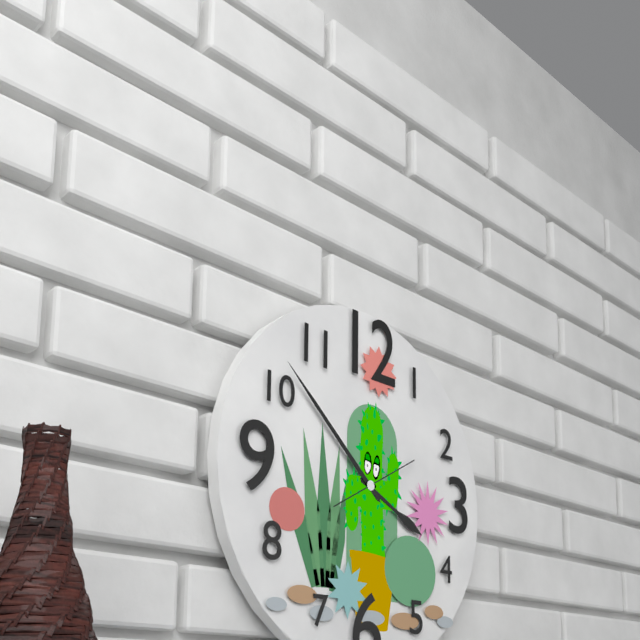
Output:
3,52,10
